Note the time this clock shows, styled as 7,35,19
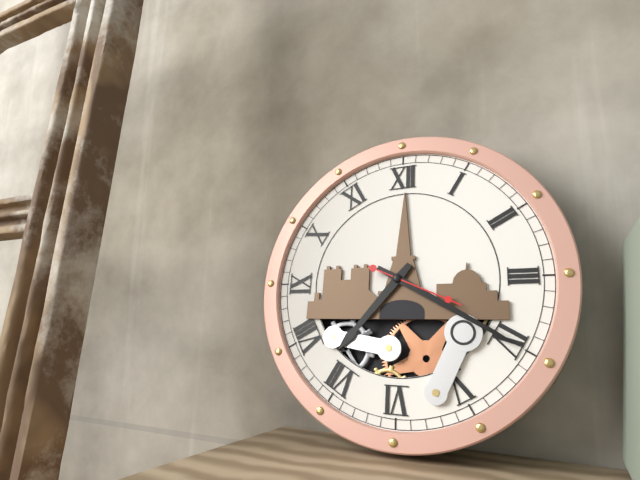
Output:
7,20,19
